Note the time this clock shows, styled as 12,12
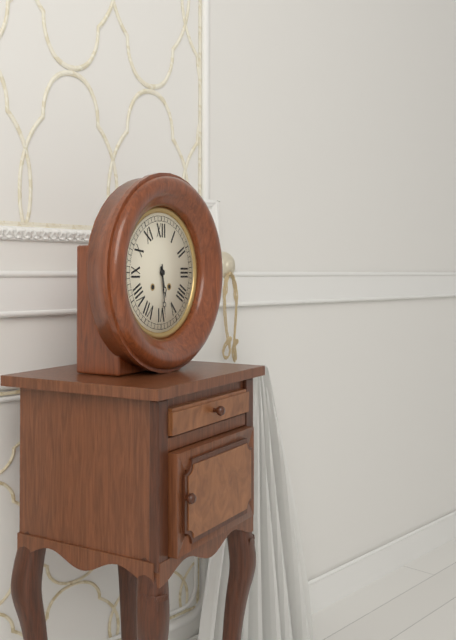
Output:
5,29
